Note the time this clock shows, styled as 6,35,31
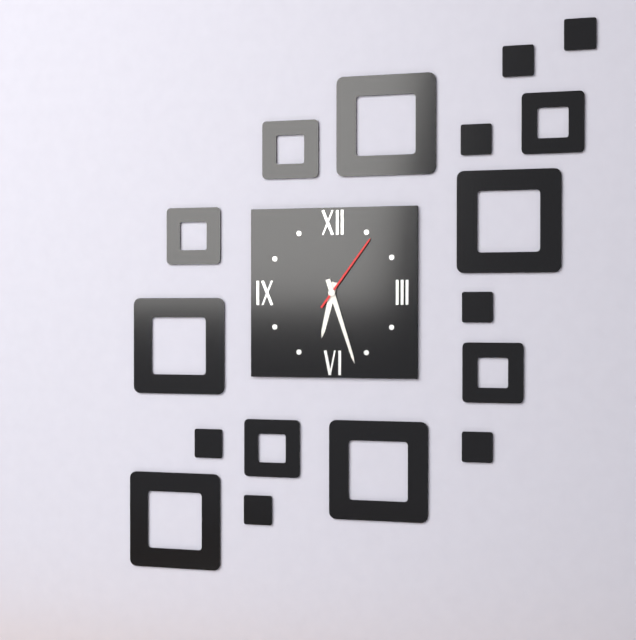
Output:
6,27,06
